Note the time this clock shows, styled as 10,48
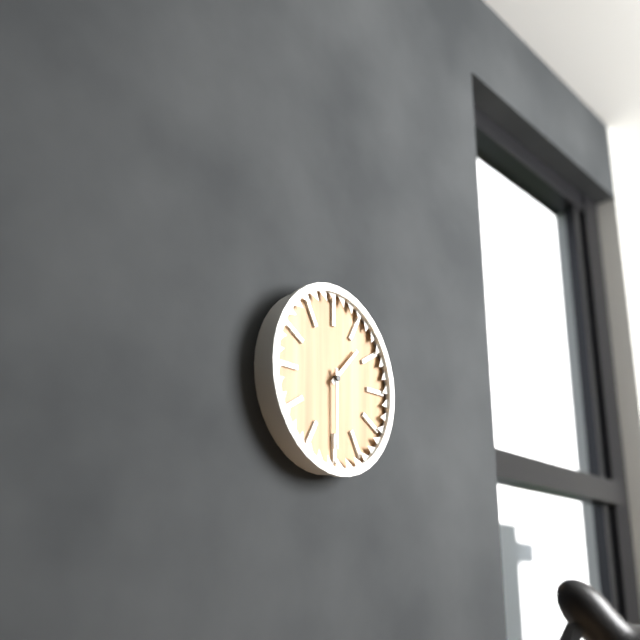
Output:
1,30
